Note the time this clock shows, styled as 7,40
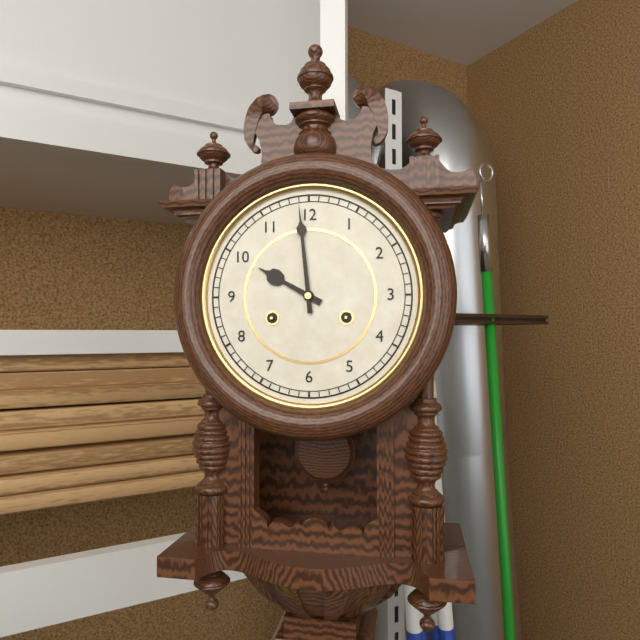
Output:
9,59
